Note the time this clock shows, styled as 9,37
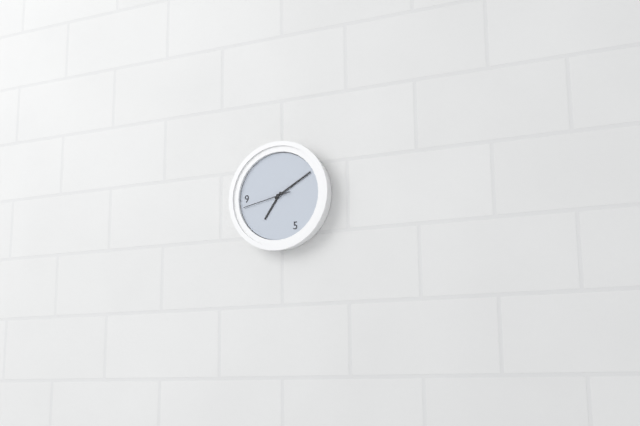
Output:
7,10
